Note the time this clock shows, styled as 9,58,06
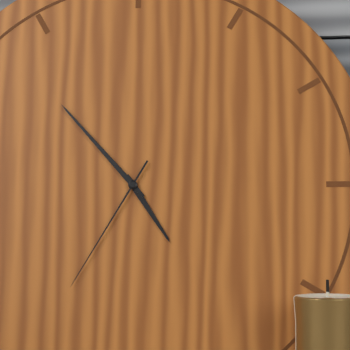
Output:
4,53,35
